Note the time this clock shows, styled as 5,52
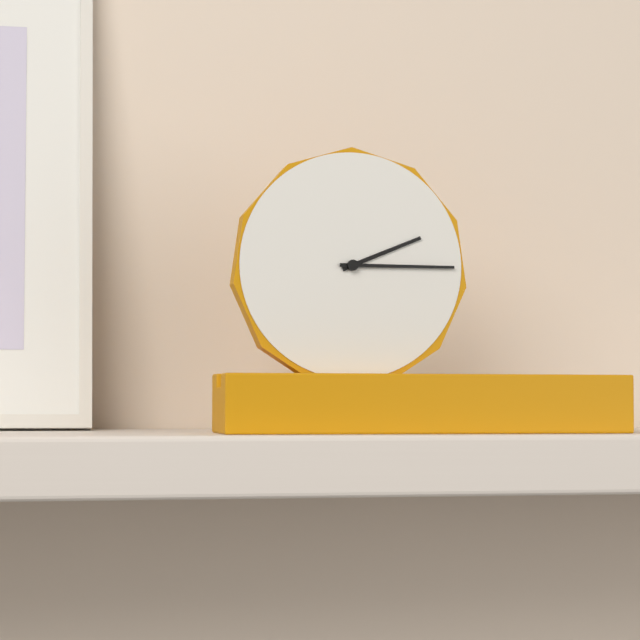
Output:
2,15
